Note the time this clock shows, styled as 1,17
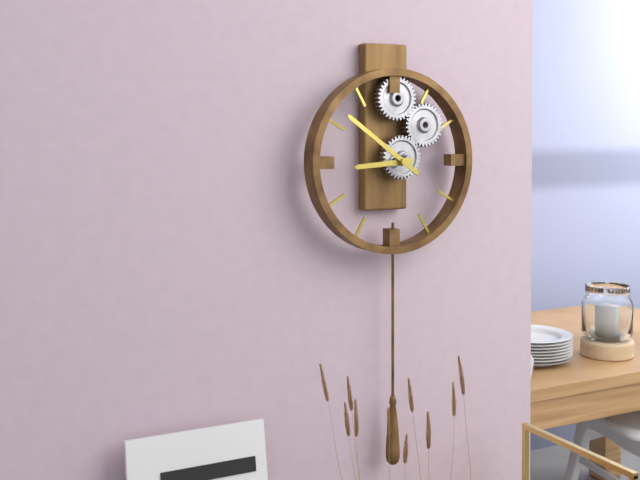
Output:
8,51
